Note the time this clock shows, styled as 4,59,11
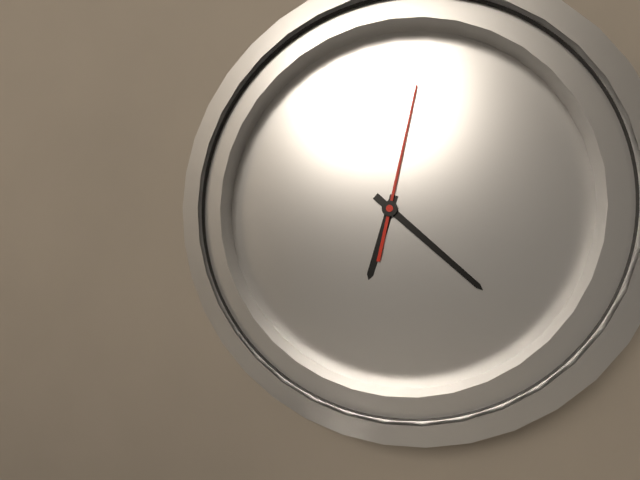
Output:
6,21,01
